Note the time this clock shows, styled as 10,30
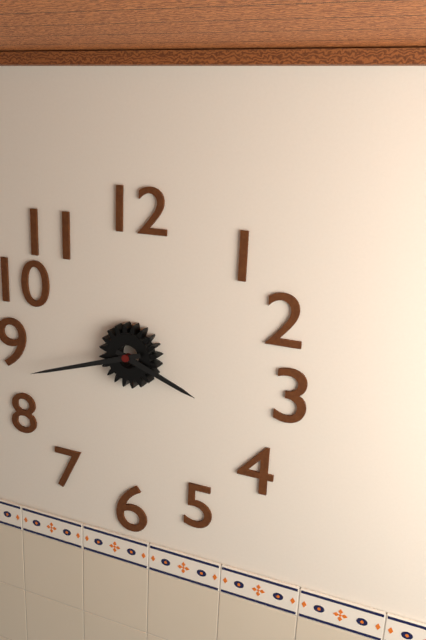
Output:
3,42
